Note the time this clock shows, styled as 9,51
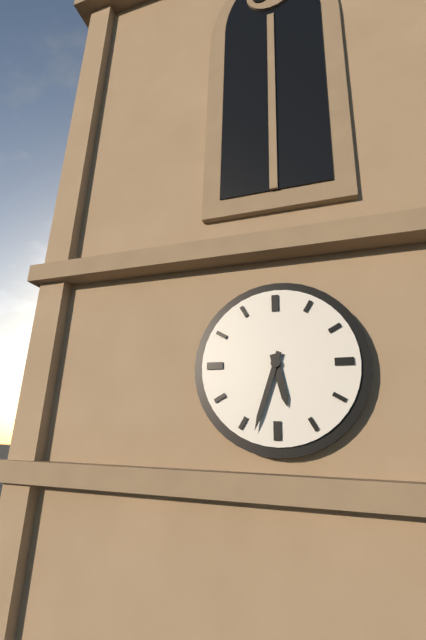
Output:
5,33
